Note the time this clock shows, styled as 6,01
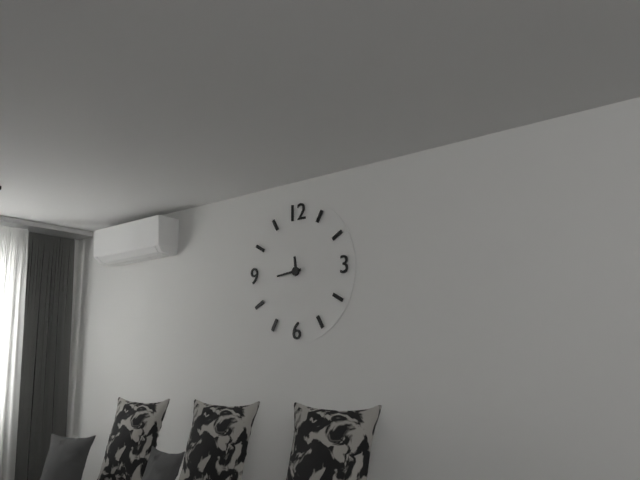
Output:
11,44
